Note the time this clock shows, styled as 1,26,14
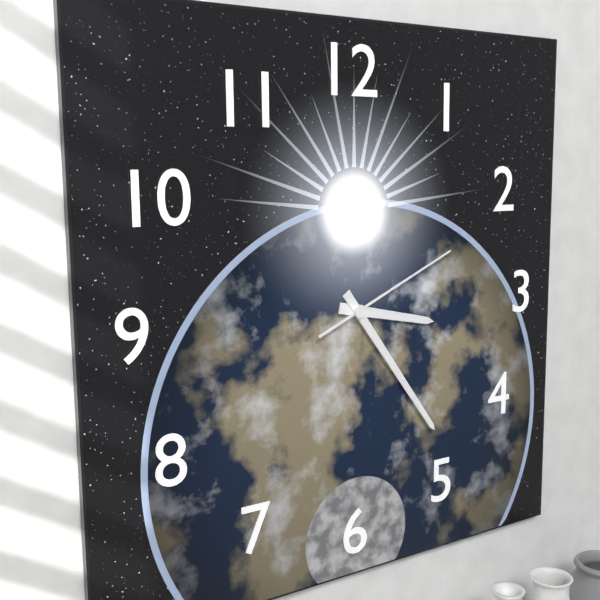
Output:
3,24,11
